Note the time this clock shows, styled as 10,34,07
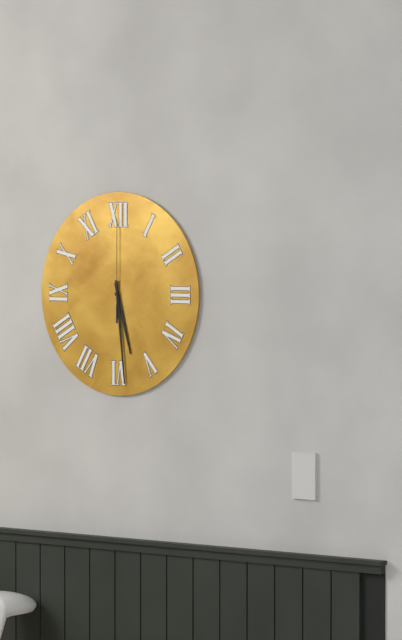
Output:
5,29,00
